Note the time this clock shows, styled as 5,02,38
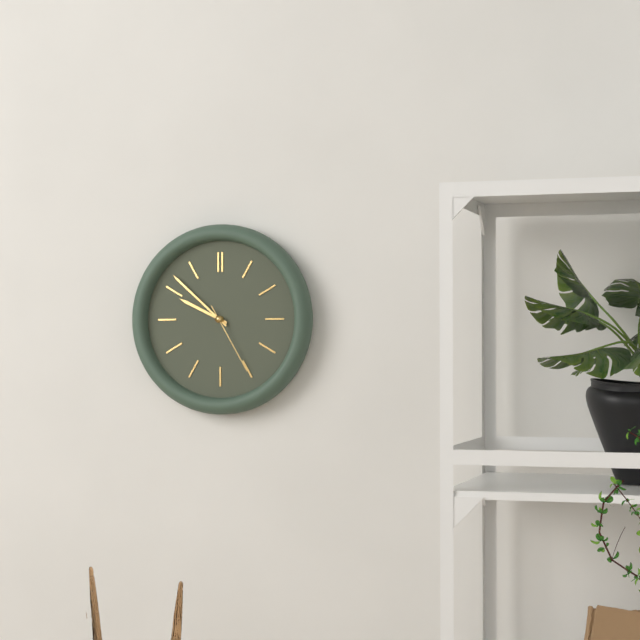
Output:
9,52,25
